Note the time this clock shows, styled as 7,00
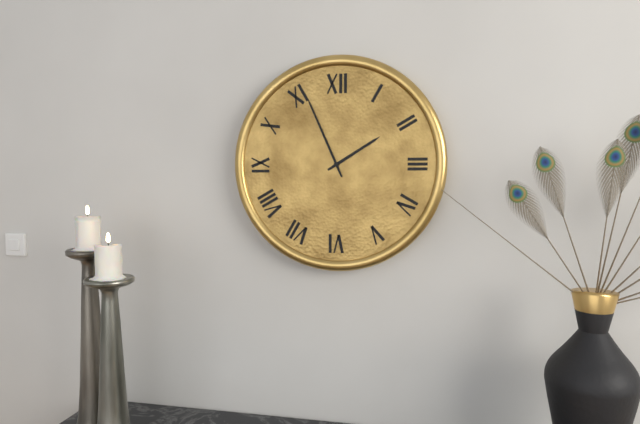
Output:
1,56
